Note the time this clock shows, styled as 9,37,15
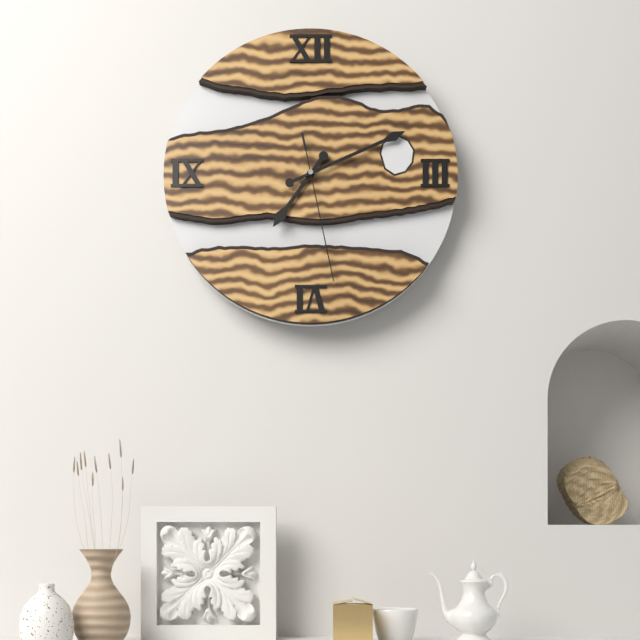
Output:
7,11,28
